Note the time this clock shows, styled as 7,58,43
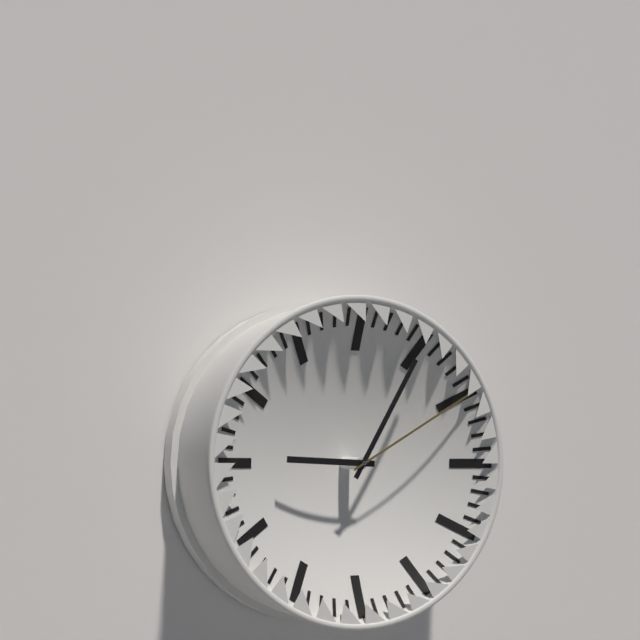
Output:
9,05,10
